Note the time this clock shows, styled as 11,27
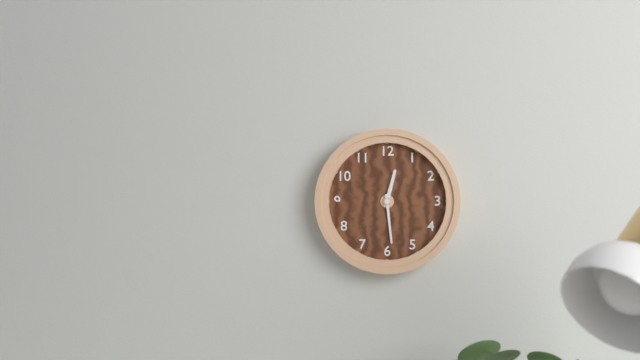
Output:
12,29
